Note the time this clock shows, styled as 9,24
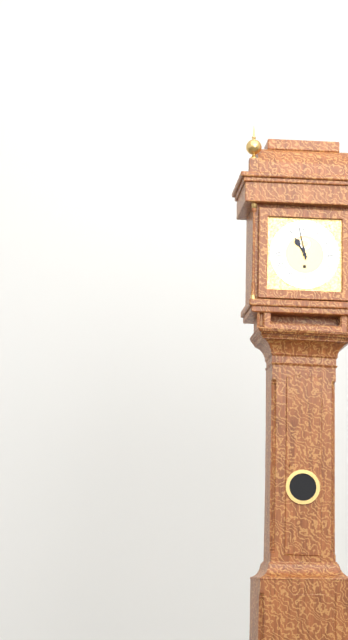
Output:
10,58
